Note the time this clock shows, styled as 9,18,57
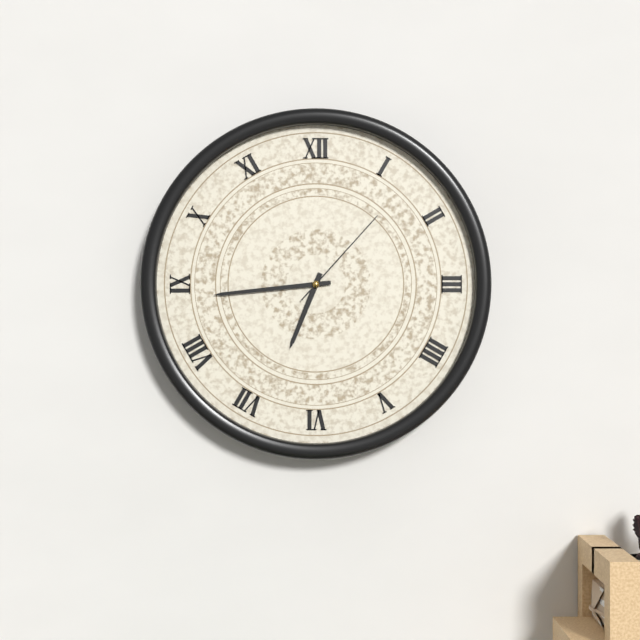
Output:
6,44,07
